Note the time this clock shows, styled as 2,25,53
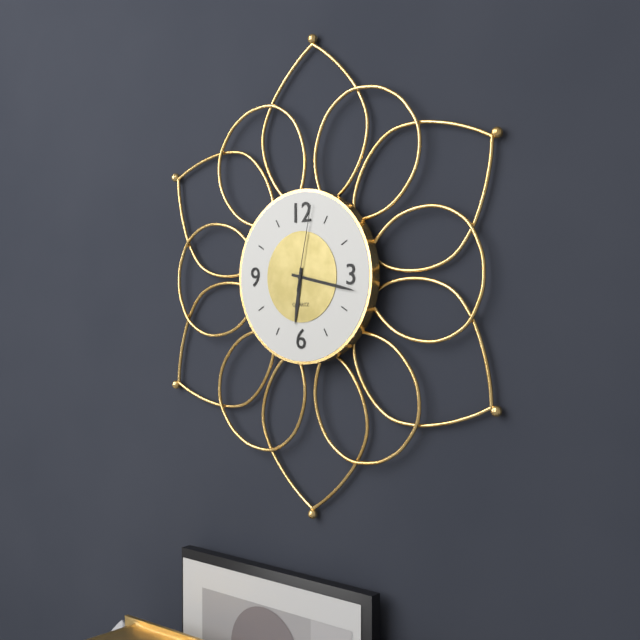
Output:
6,17,02
